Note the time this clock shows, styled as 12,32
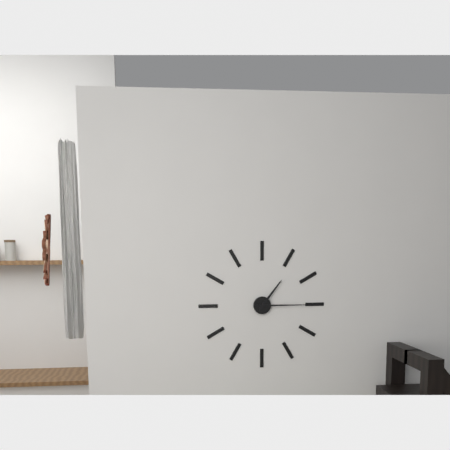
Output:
1,15
